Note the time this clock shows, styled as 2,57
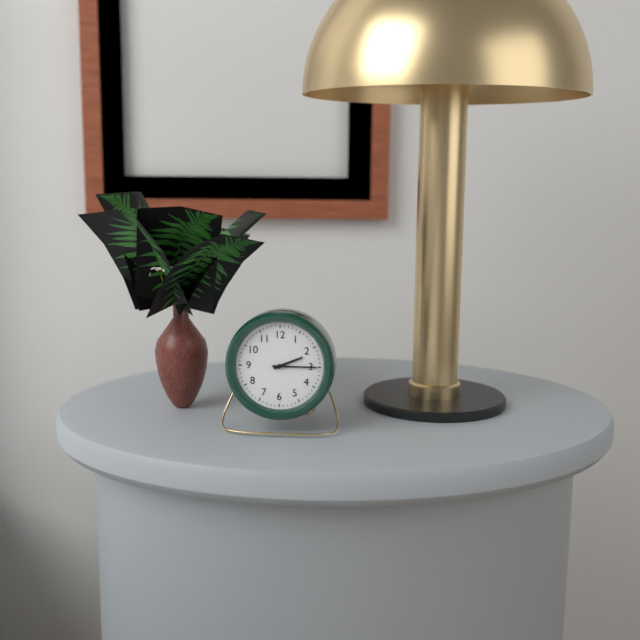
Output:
2,15
